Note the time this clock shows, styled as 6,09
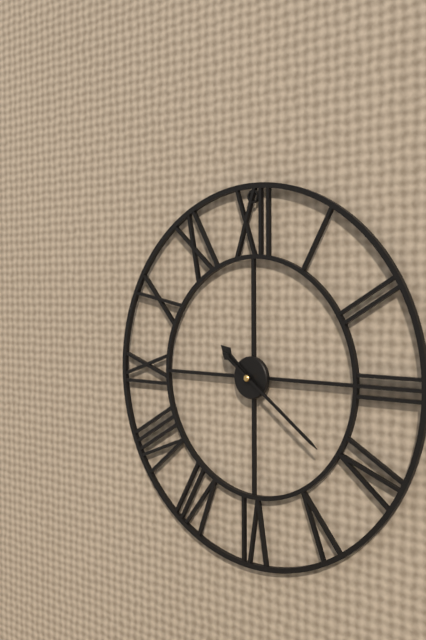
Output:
10,21
